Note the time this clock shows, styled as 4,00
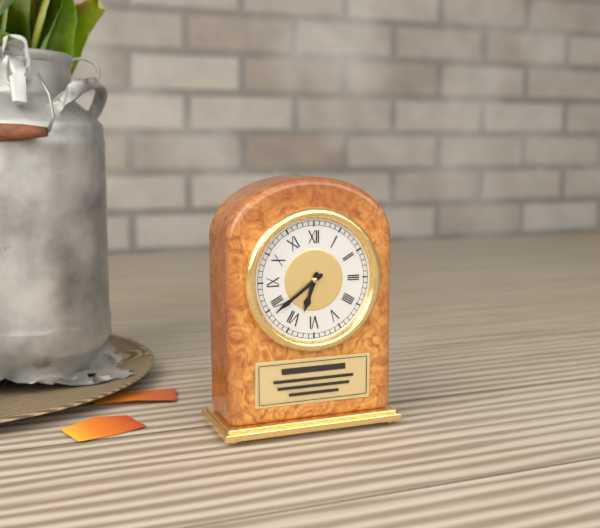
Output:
6,39
